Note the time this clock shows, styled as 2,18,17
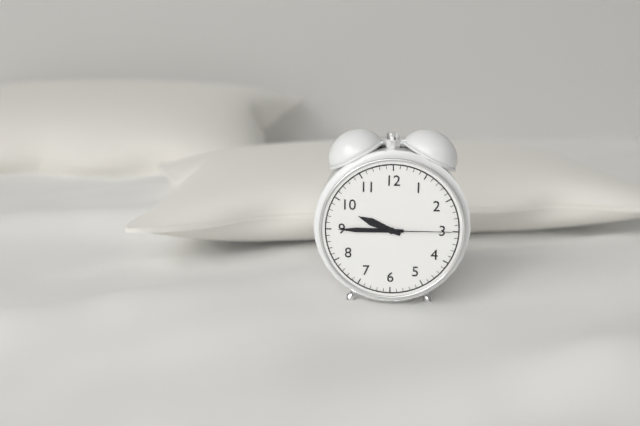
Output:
9,45,15
